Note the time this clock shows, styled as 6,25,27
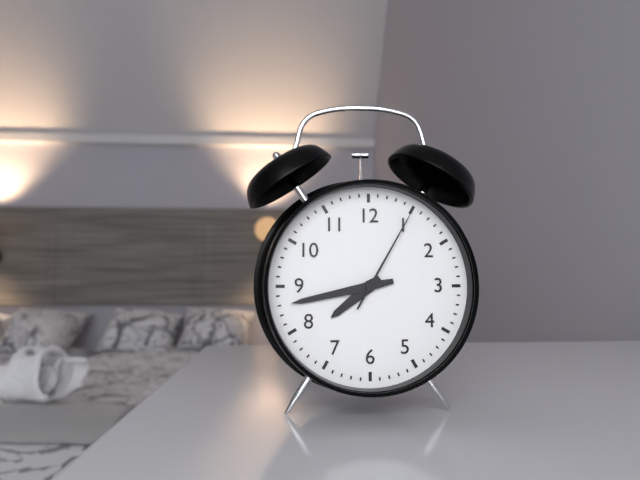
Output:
7,43,05
